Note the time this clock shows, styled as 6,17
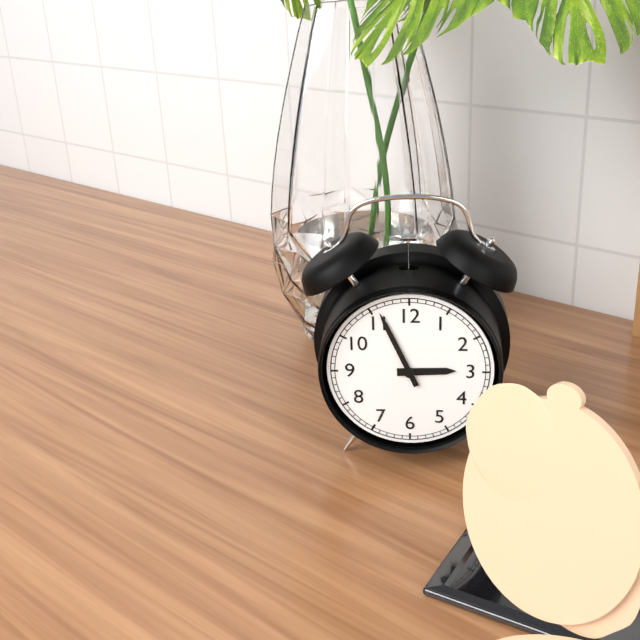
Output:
2,56
